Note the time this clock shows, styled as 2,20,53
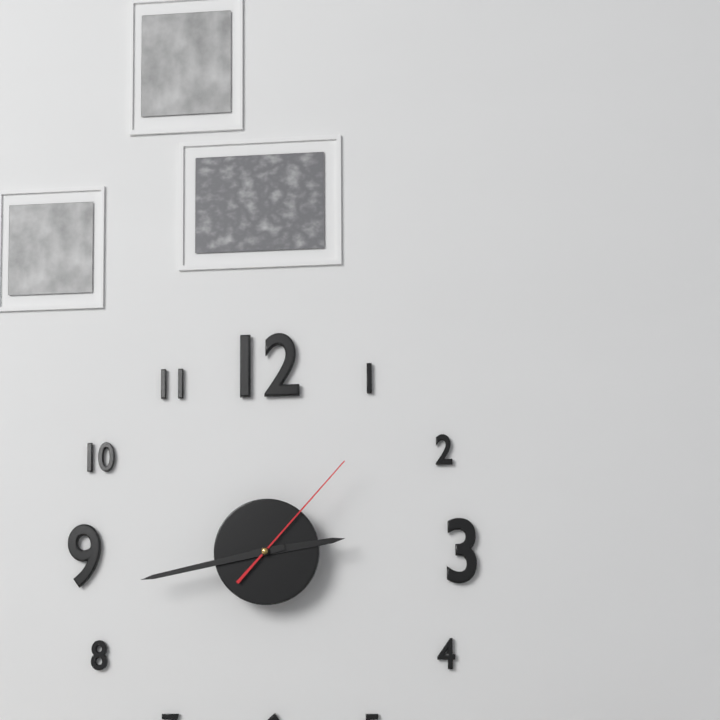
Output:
2,43,07
